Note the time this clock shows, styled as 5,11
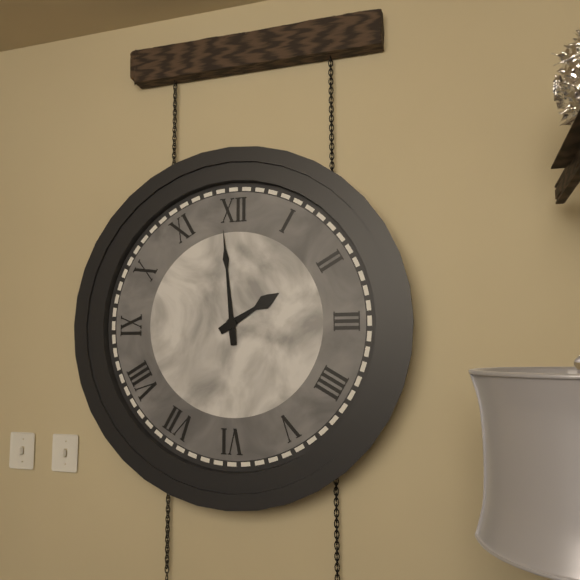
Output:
1,59
